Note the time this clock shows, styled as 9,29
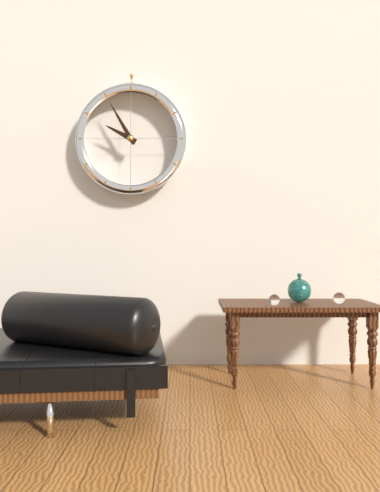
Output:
9,55
